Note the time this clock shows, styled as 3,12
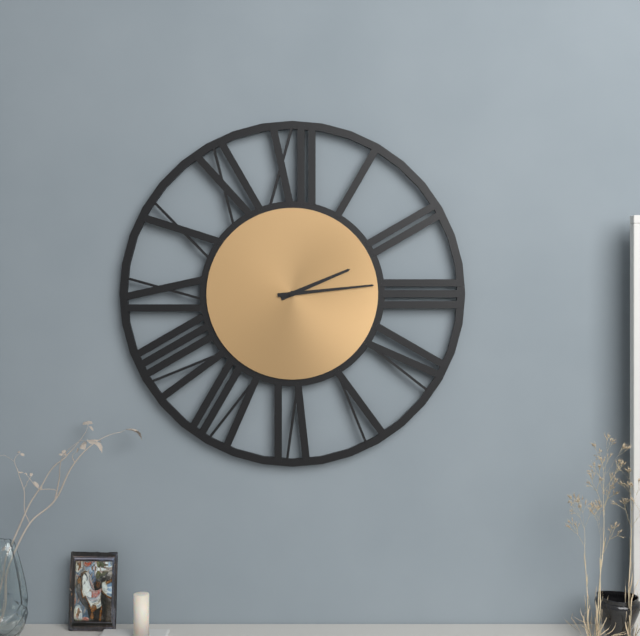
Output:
2,14
